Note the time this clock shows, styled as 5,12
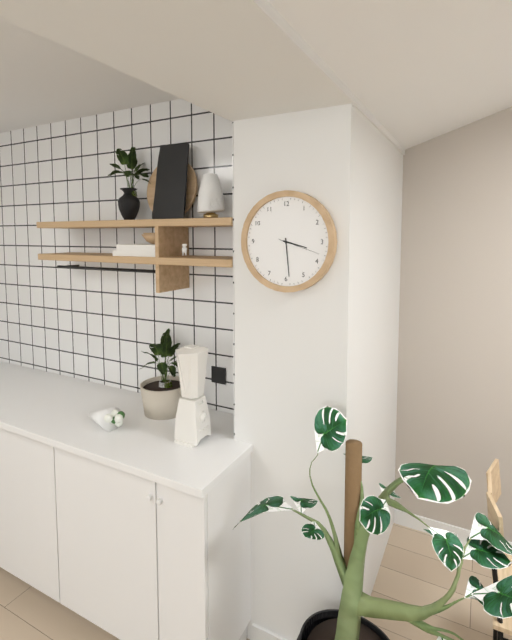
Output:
3,29
